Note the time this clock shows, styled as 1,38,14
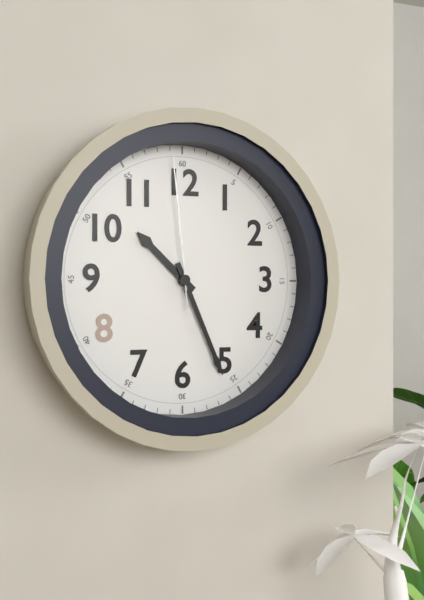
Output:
10,26,59
